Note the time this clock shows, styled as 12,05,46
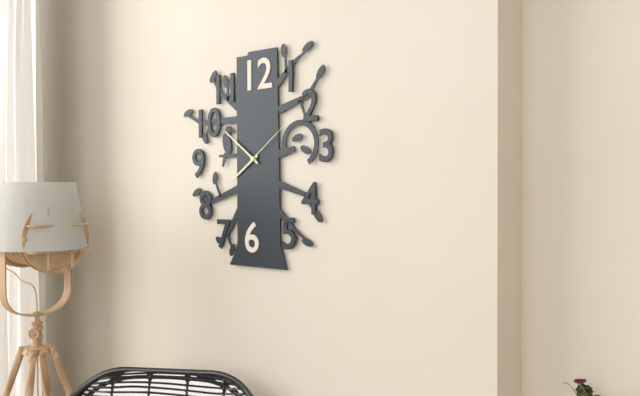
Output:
7,51,09
